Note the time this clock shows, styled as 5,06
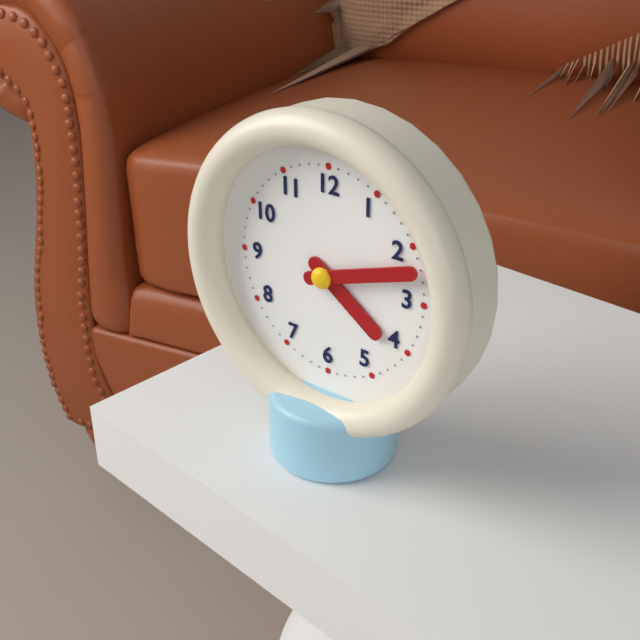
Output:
4,12
